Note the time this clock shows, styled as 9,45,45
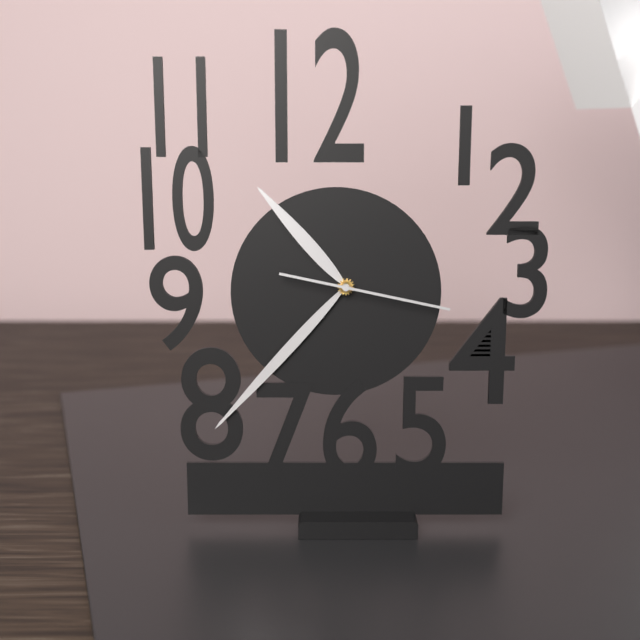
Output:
10,37,17
